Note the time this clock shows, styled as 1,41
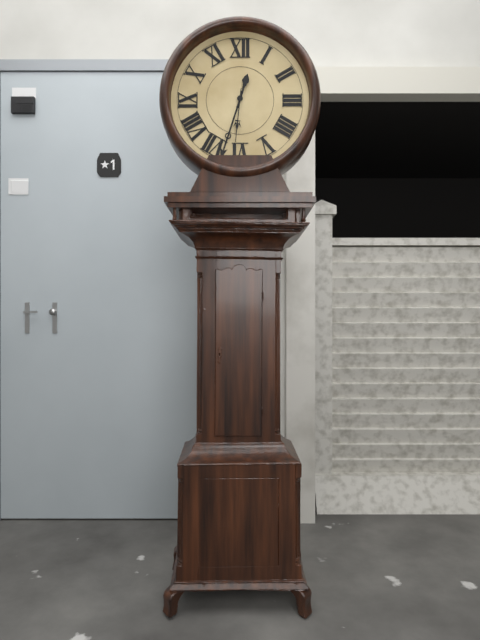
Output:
12,33
